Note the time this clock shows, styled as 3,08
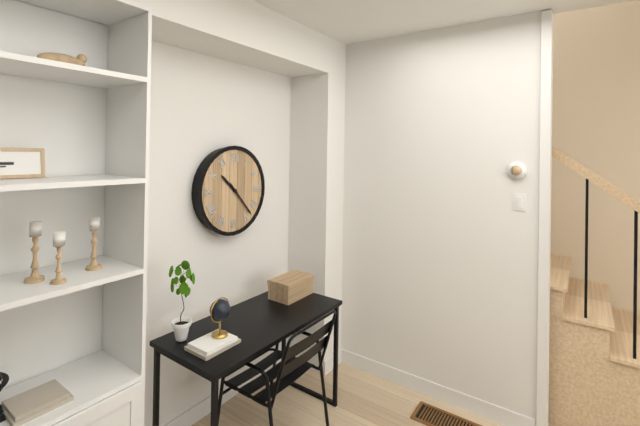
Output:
10,23
